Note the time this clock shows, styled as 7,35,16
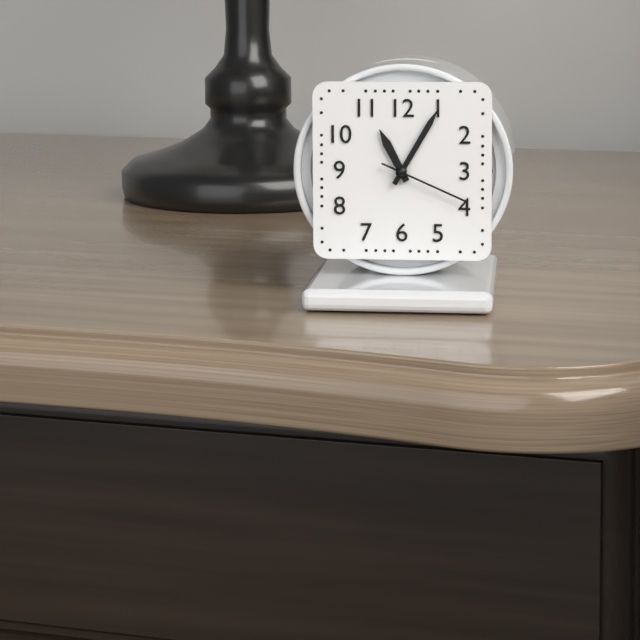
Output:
11,05,19
